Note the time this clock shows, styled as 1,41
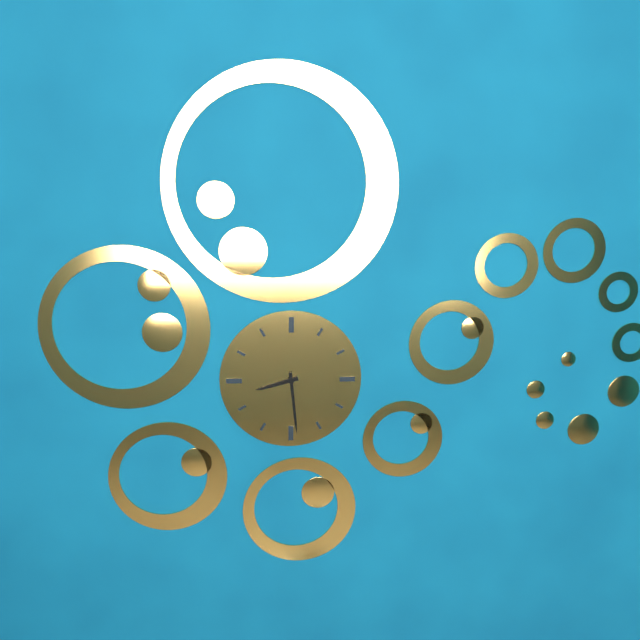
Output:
8,29
